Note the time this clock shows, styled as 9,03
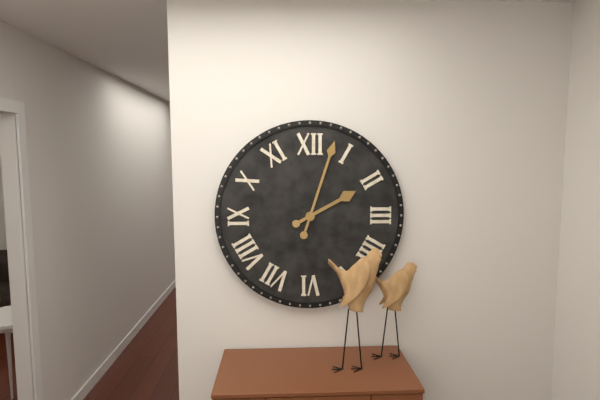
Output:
2,03
